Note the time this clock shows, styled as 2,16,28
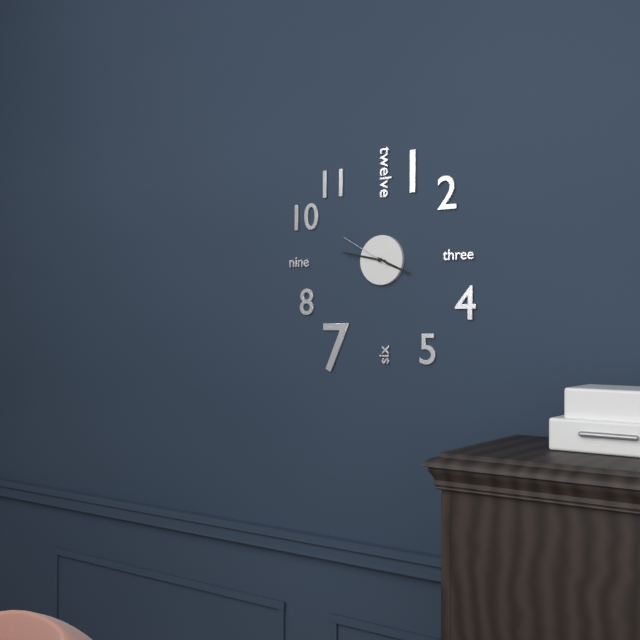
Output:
3,47,50
